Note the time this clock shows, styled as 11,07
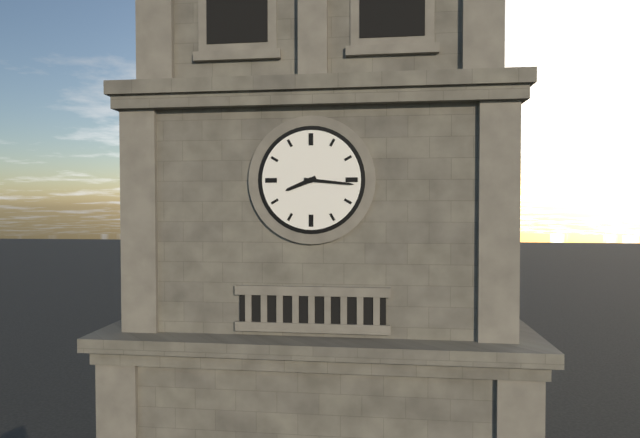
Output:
8,16
